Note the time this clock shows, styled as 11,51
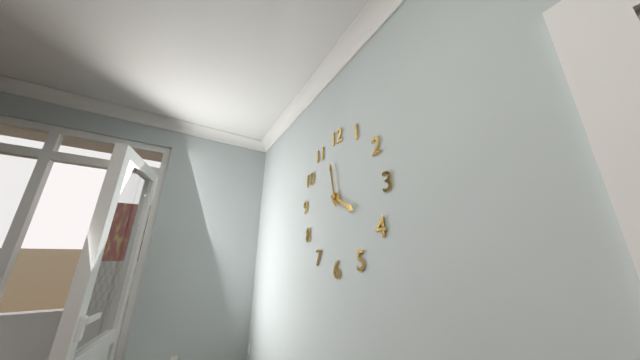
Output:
3,58
